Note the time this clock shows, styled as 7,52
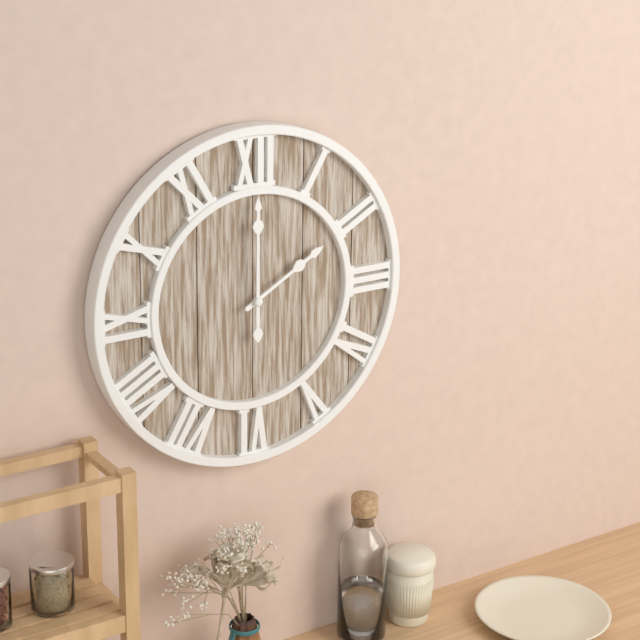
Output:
2,00
